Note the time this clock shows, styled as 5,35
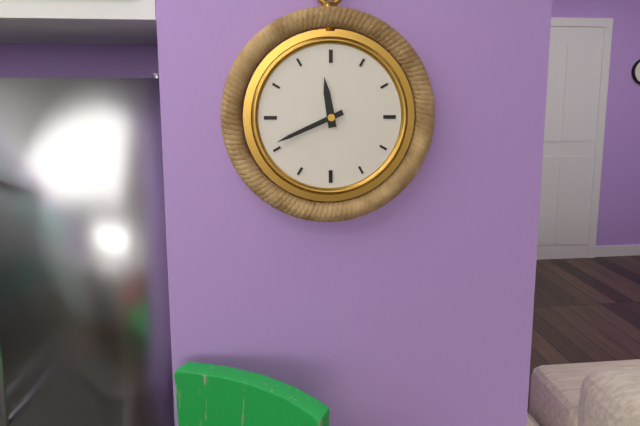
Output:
11,41
